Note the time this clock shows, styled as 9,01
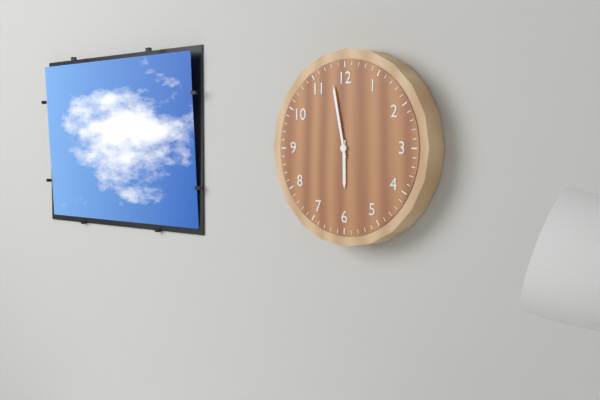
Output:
5,58
